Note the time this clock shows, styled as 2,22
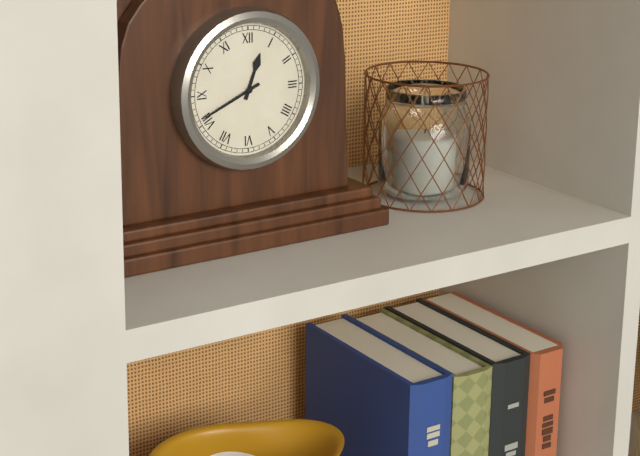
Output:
12,41
